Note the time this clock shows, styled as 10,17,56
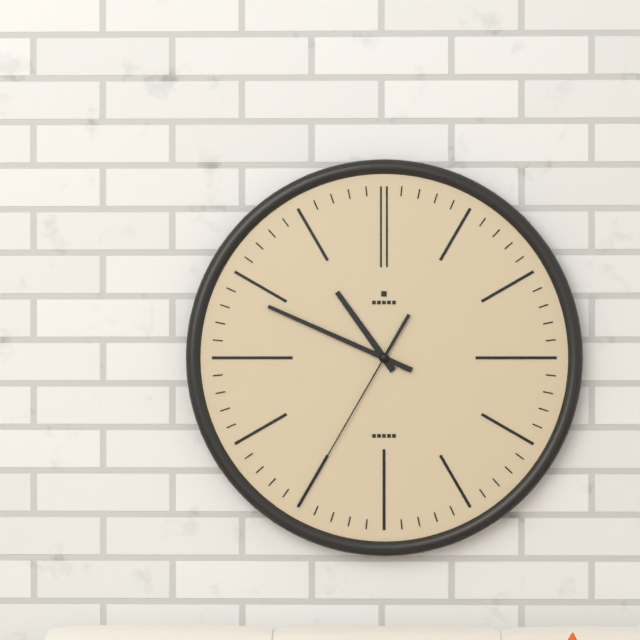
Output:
10,49,35
